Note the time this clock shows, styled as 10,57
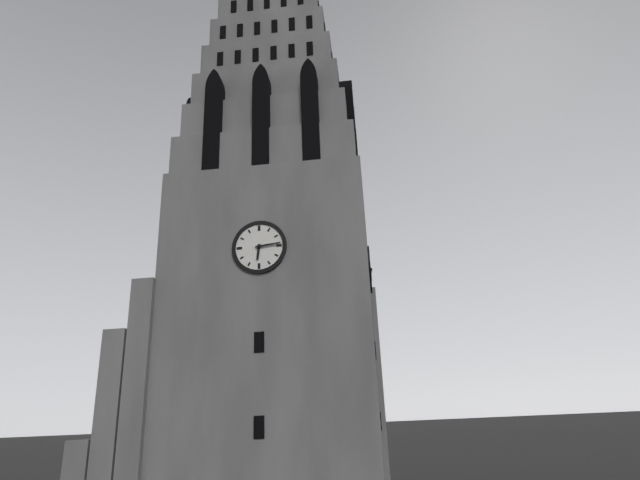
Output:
6,14
